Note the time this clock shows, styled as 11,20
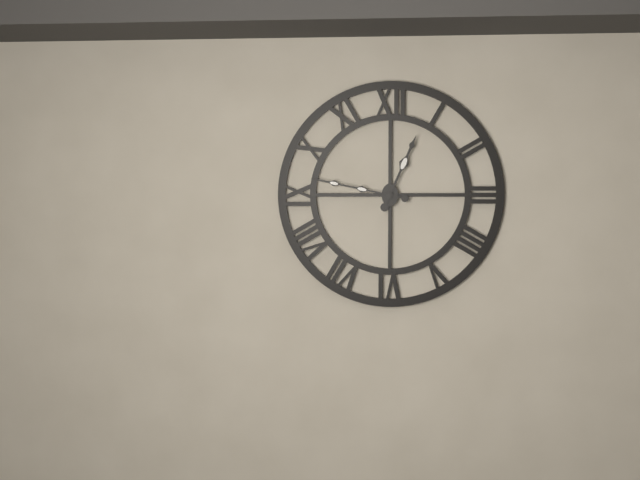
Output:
12,47
